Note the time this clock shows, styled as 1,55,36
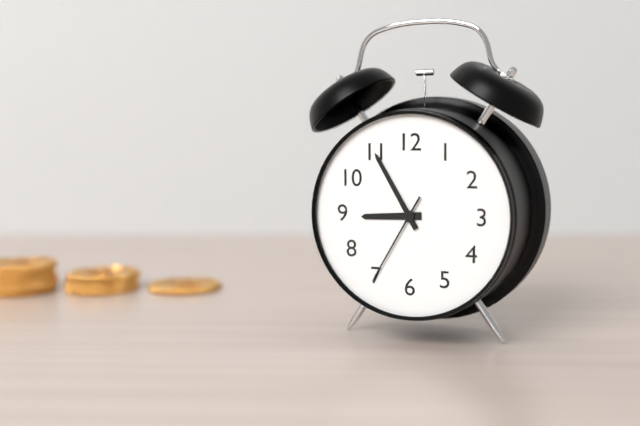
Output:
8,55,35
